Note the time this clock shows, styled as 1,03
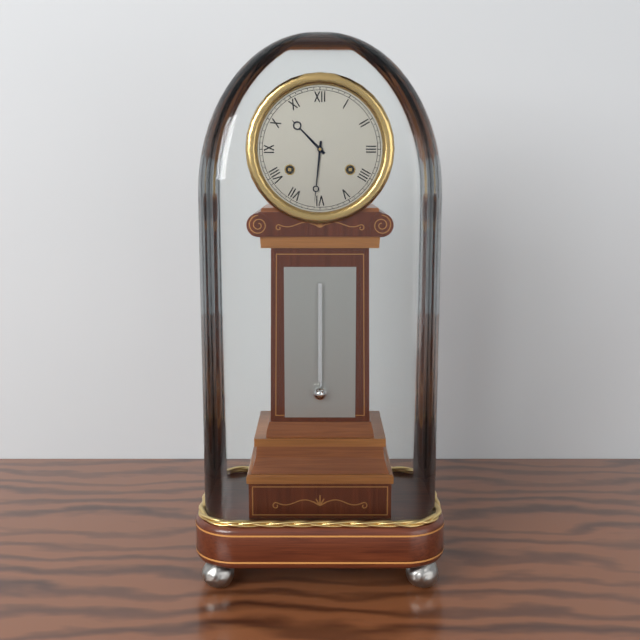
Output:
10,31
